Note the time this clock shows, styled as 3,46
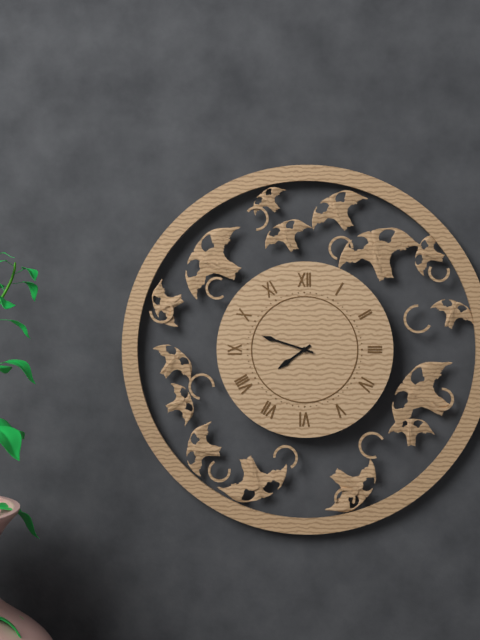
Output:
7,48
